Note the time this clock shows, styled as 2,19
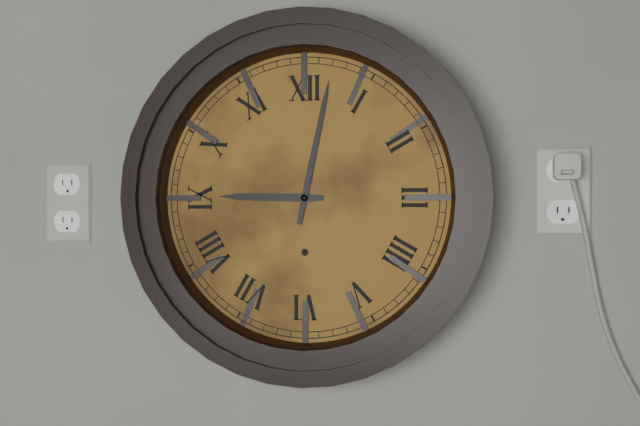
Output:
9,02
